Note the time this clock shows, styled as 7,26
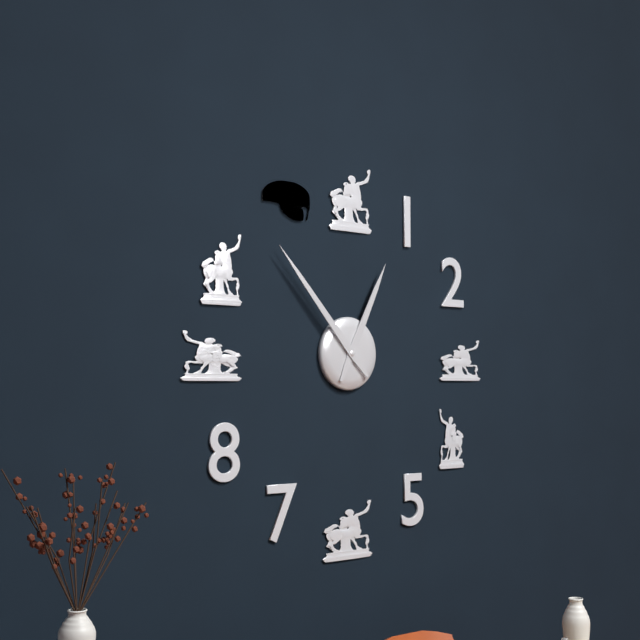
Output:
12,53
